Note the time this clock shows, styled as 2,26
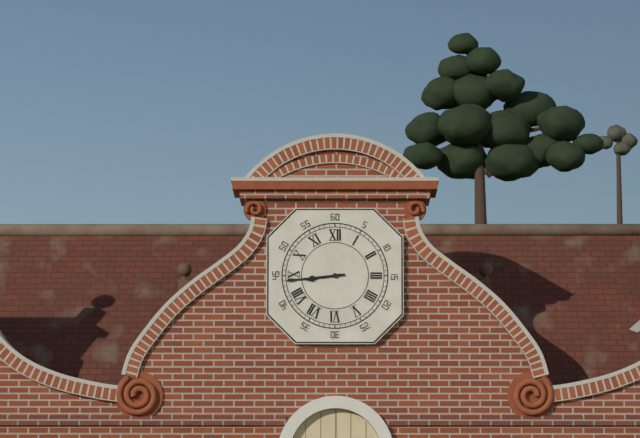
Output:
8,44
